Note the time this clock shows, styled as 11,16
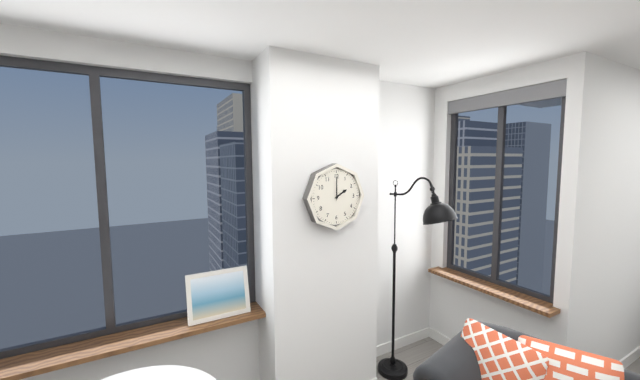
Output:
2,00
